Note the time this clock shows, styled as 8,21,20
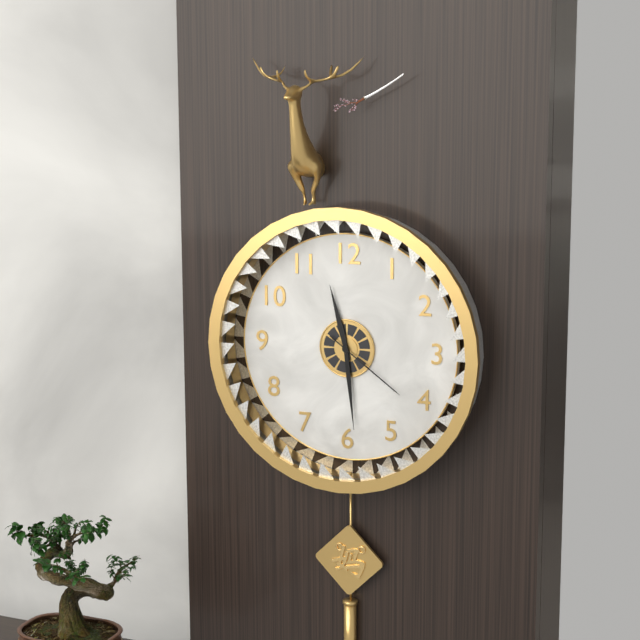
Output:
11,29,21
